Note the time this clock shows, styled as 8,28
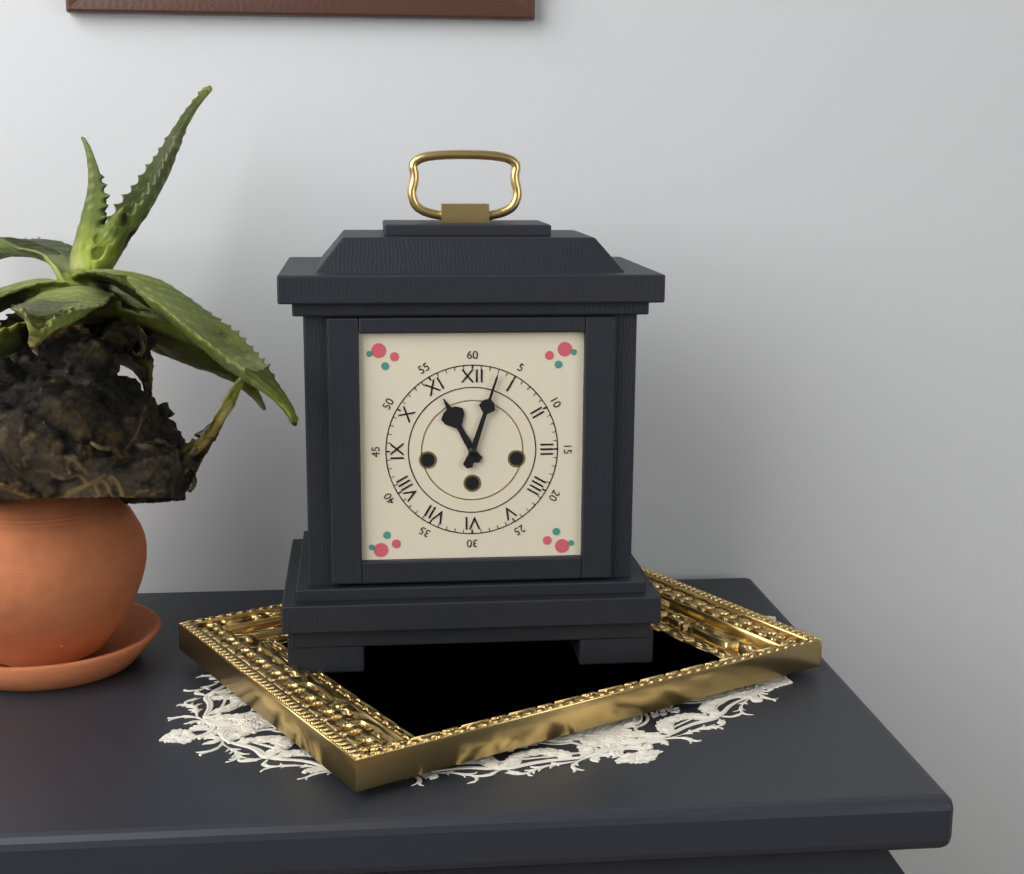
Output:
11,03
